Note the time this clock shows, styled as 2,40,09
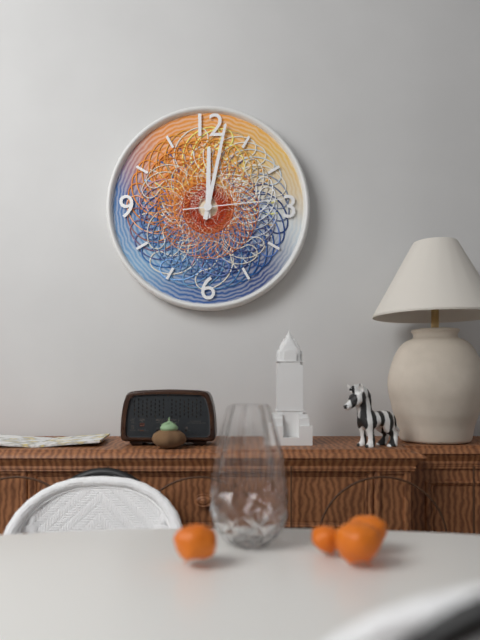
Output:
12,02,14
